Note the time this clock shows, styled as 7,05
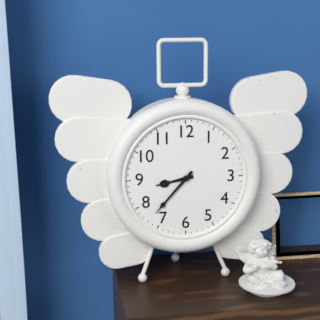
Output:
8,37
